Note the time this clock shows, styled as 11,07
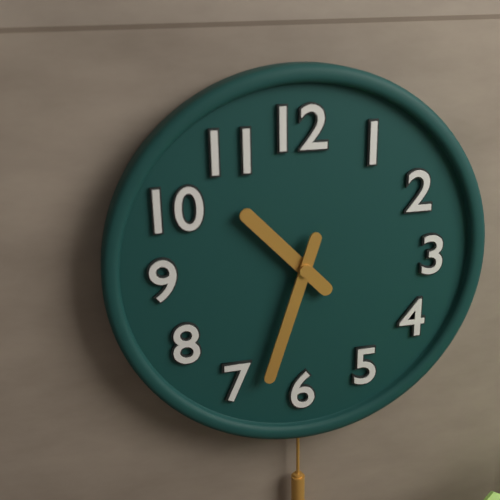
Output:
10,33
